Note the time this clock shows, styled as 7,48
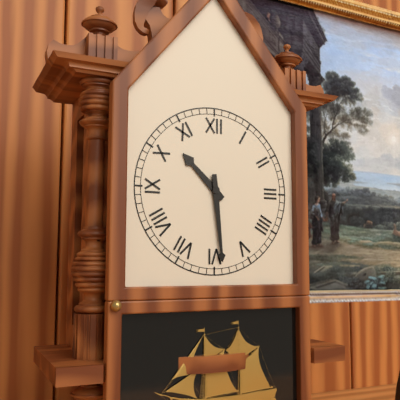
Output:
10,29
